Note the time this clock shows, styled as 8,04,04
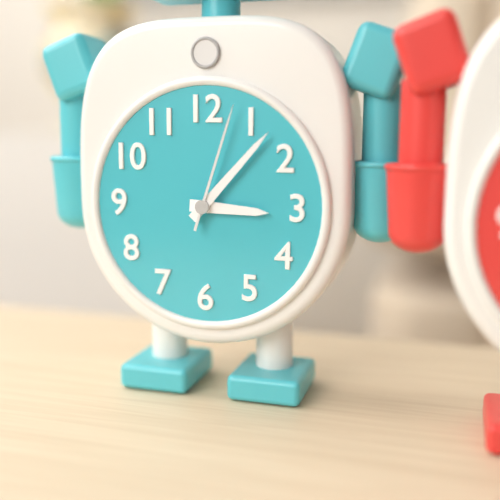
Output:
3,07,03
